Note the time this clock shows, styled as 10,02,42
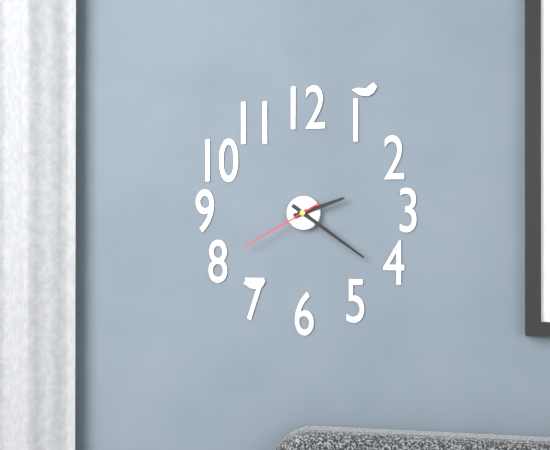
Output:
2,21,40
